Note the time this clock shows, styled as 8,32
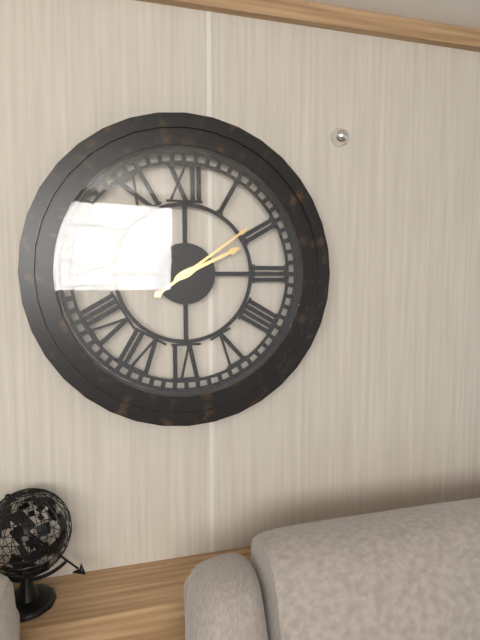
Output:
2,09
